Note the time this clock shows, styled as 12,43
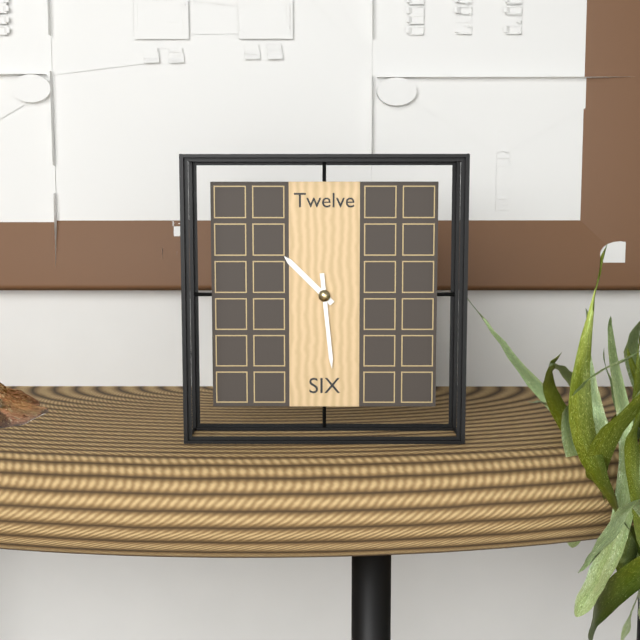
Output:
10,29
